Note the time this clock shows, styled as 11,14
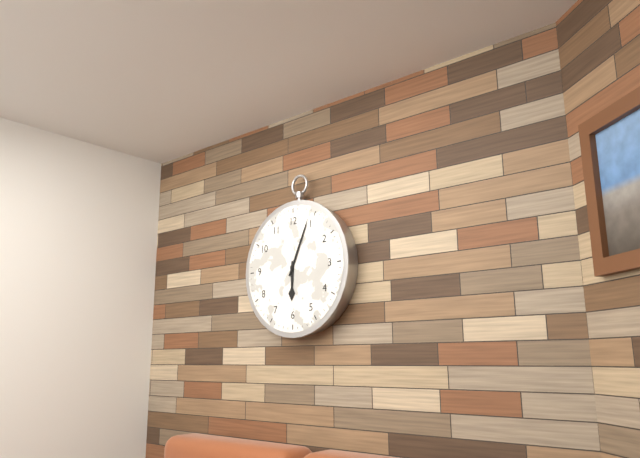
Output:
6,04
